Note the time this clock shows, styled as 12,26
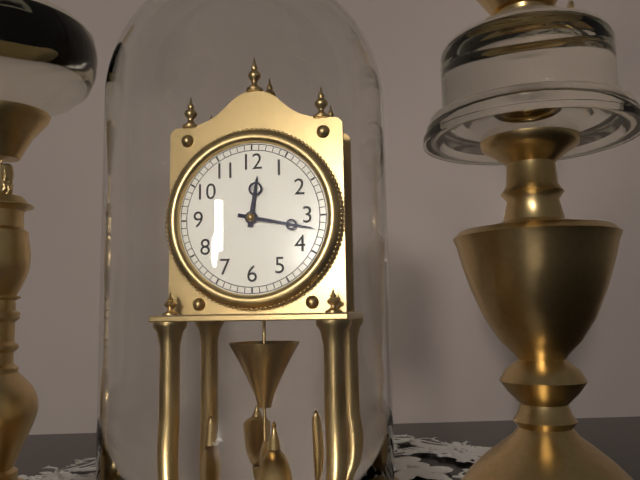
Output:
12,17
